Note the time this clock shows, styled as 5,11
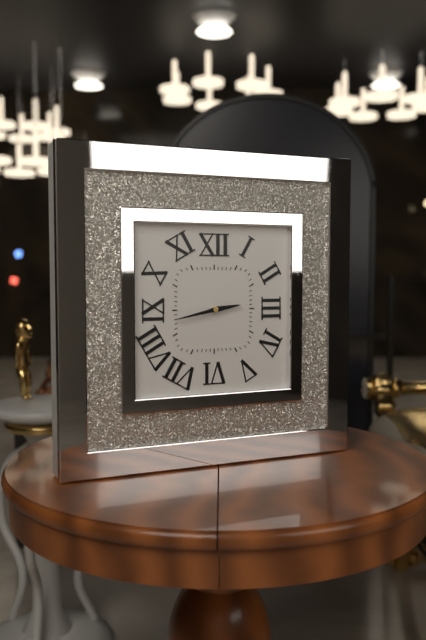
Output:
2,43
